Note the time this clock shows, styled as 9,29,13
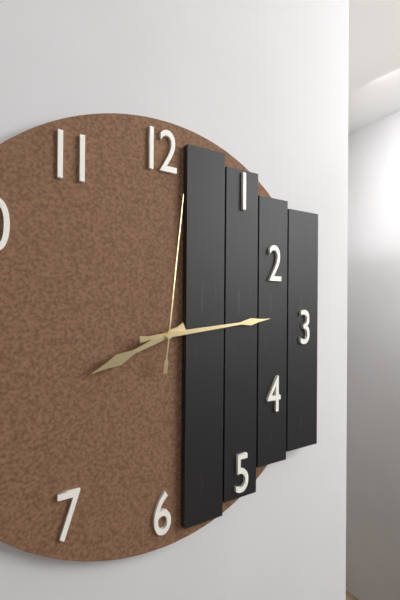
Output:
8,14,01
